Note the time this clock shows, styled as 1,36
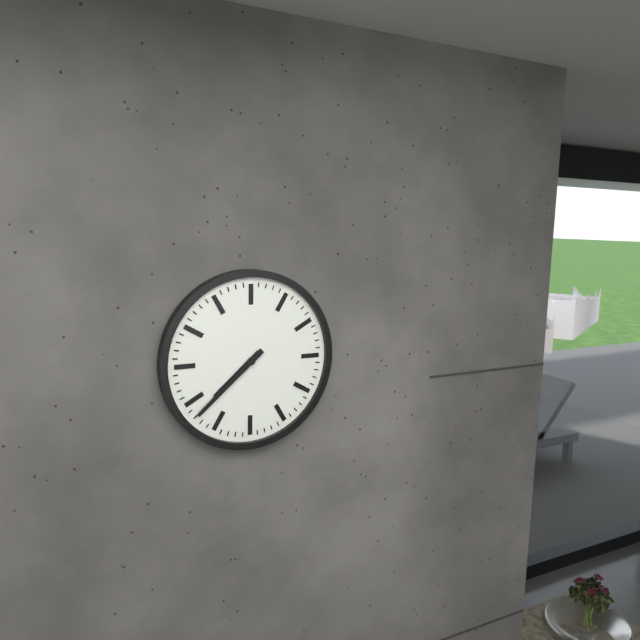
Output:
7,38
